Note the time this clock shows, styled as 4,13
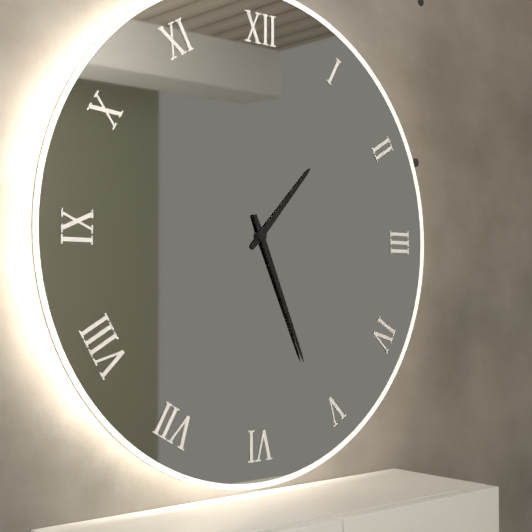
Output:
1,26
